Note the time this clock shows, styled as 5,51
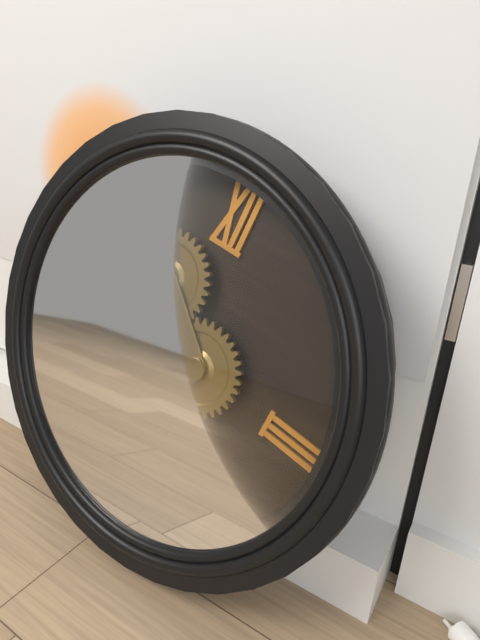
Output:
4,55
